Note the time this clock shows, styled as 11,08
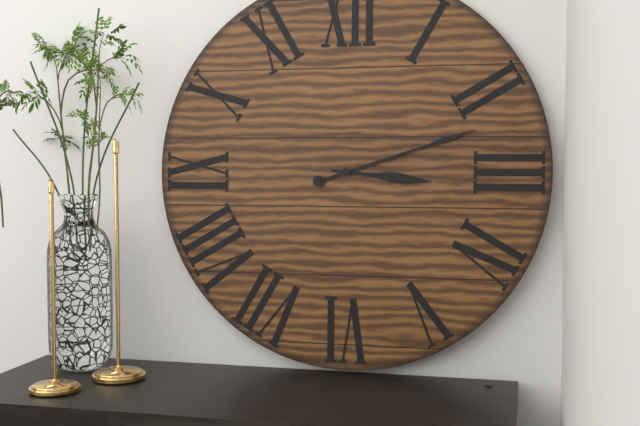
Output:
3,12
